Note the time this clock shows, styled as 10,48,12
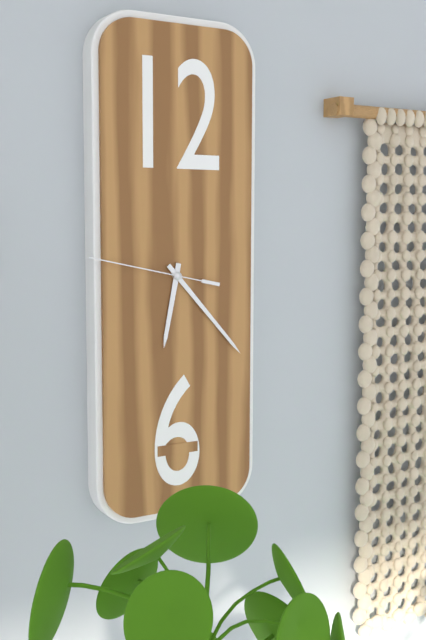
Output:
6,23,47
